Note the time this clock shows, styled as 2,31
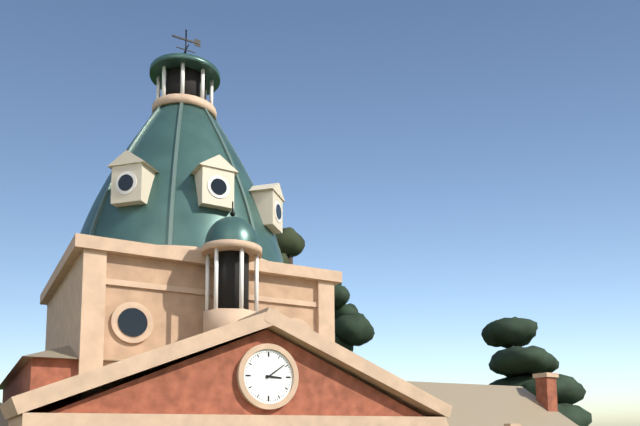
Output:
3,09
